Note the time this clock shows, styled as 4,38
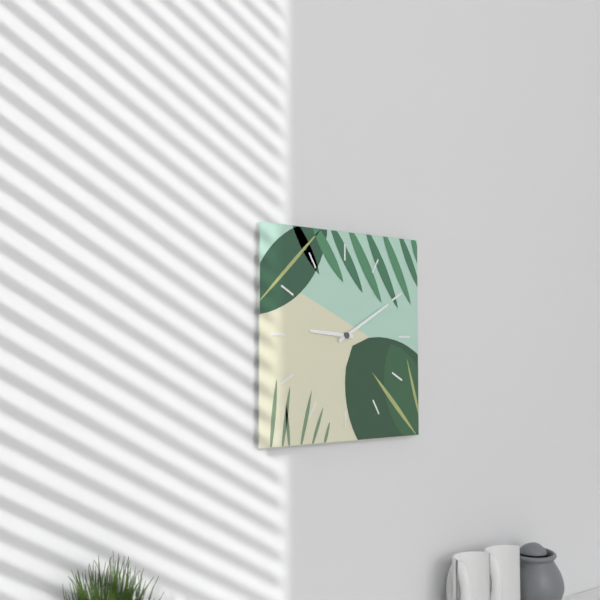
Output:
9,10
